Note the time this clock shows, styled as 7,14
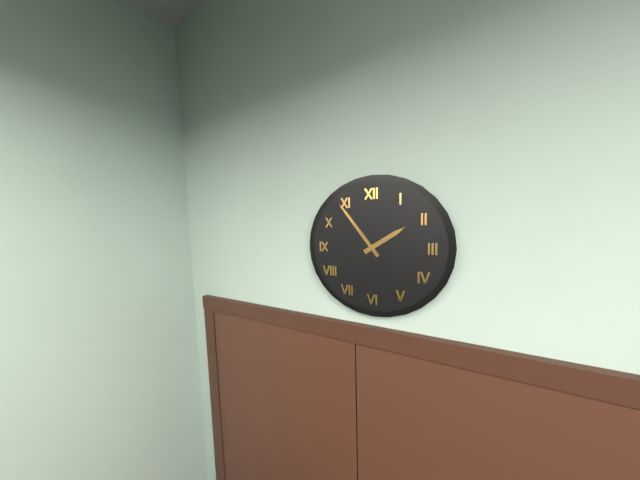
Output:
1,54
